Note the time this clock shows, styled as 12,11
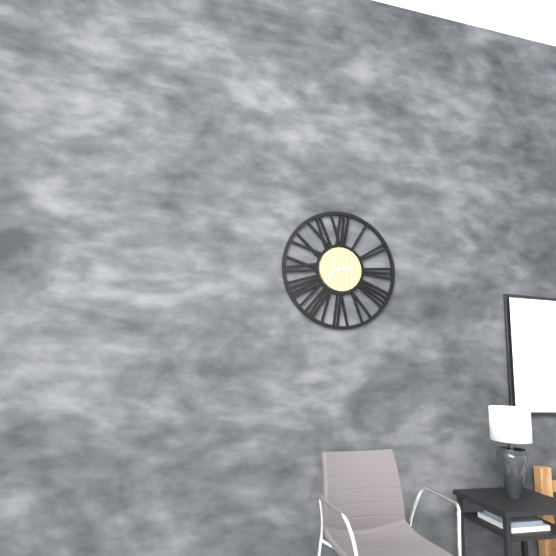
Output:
2,40
